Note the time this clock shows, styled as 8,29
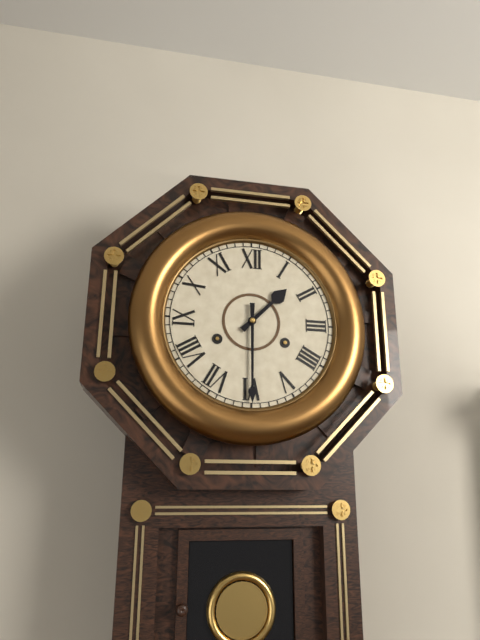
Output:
1,30
